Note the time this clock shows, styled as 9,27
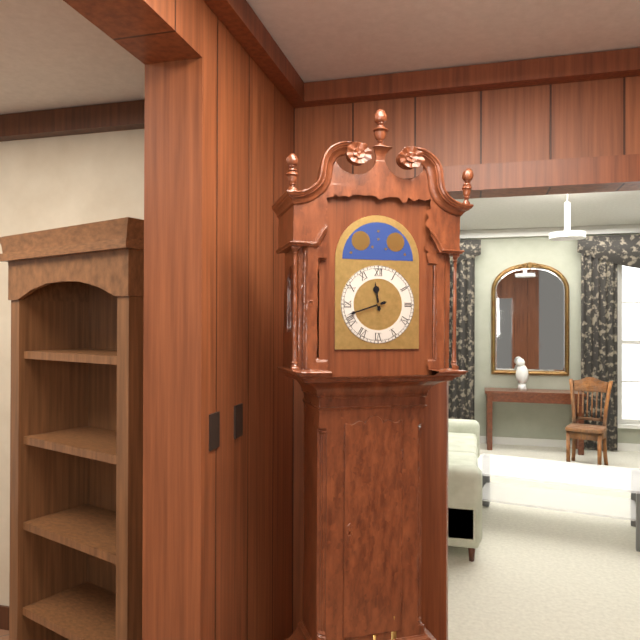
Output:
11,42
